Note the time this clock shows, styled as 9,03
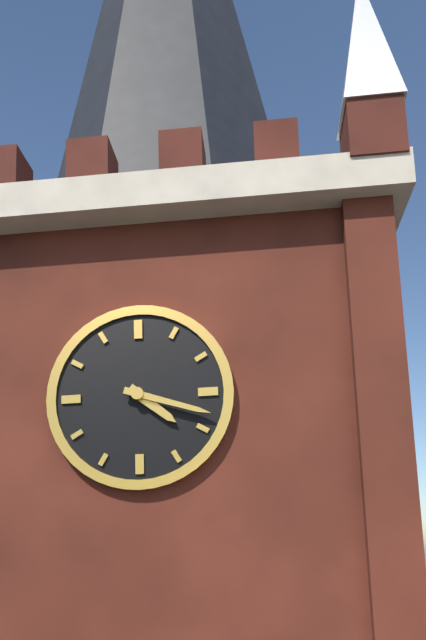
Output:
4,18
